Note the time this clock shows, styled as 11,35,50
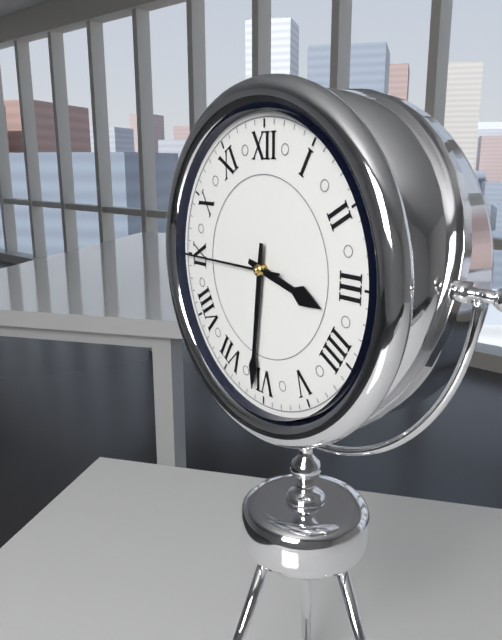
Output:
3,31,45
